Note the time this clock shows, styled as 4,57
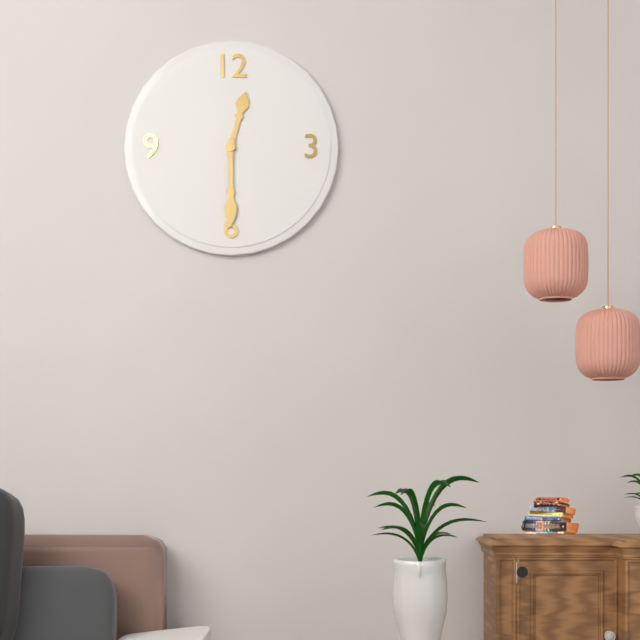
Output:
12,30
